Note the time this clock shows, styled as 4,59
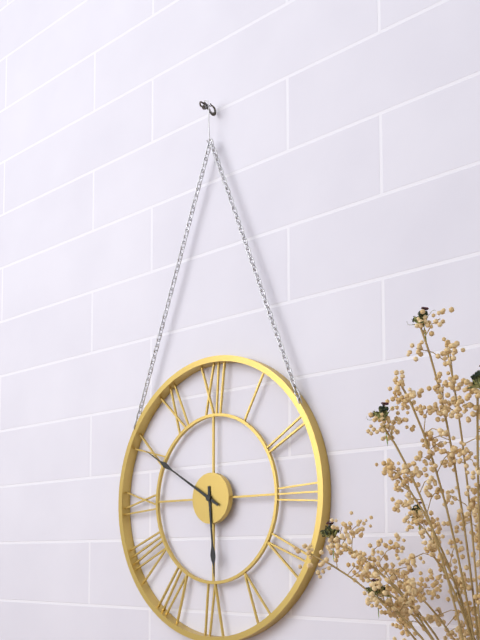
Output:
5,50
